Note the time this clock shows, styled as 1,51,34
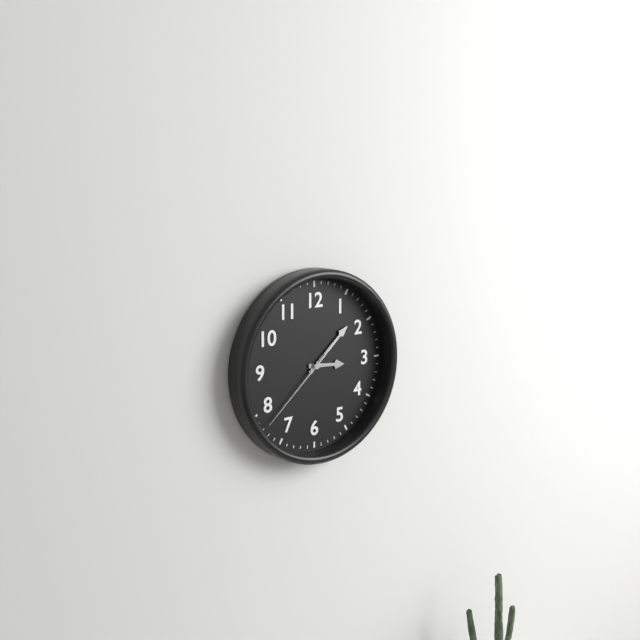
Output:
3,08,38
